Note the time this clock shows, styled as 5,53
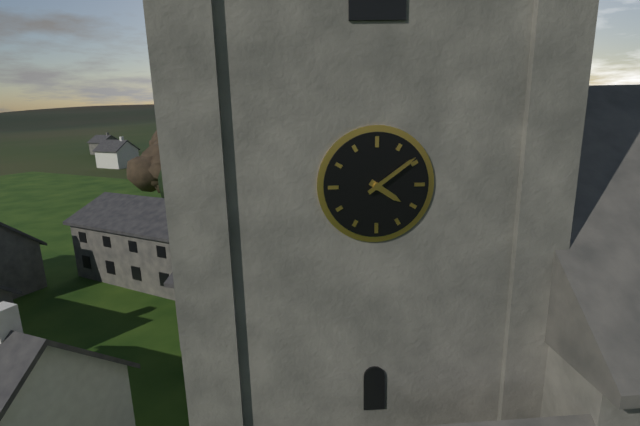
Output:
4,09
